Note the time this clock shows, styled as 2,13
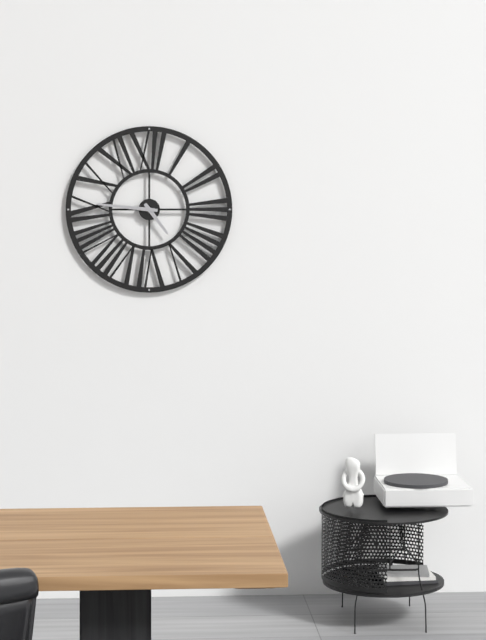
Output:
4,46
